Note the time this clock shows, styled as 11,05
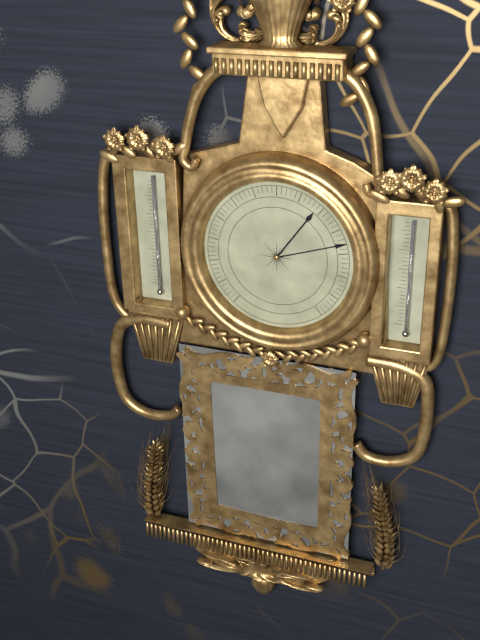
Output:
1,12
